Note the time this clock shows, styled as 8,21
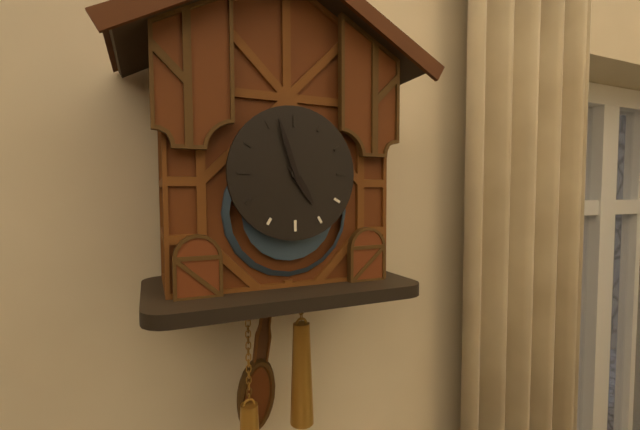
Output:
4,57
